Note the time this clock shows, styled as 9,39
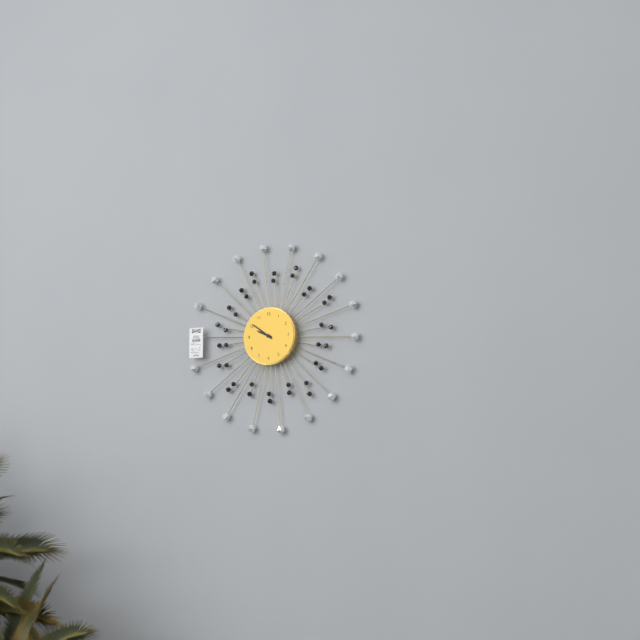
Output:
9,51
